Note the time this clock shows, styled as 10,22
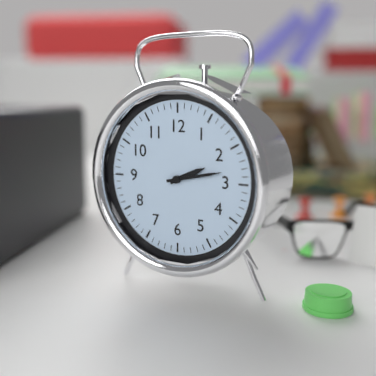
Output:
2,13
